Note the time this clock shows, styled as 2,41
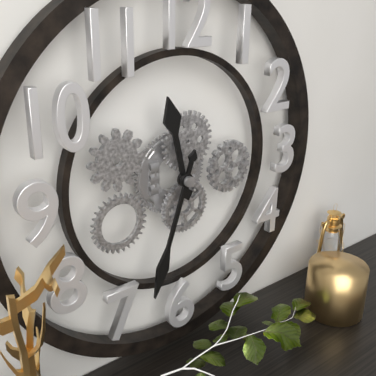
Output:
11,33
